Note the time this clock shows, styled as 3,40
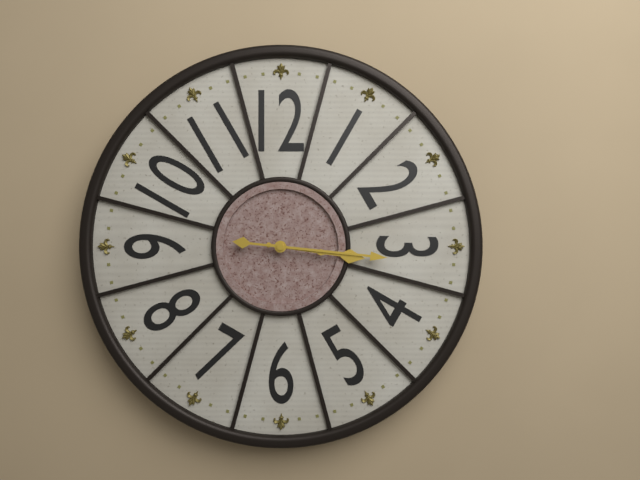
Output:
3,16
